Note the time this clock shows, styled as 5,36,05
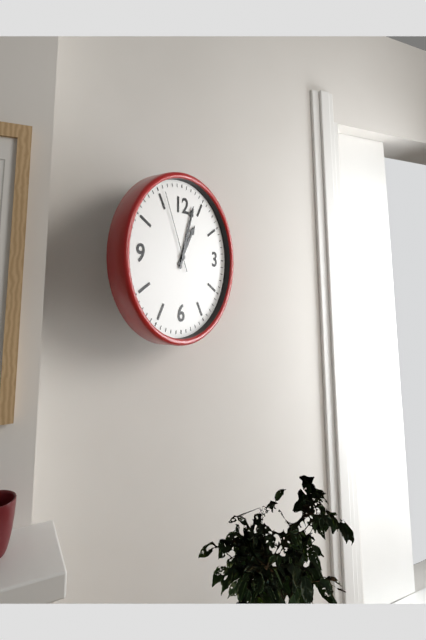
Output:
1,03,56
